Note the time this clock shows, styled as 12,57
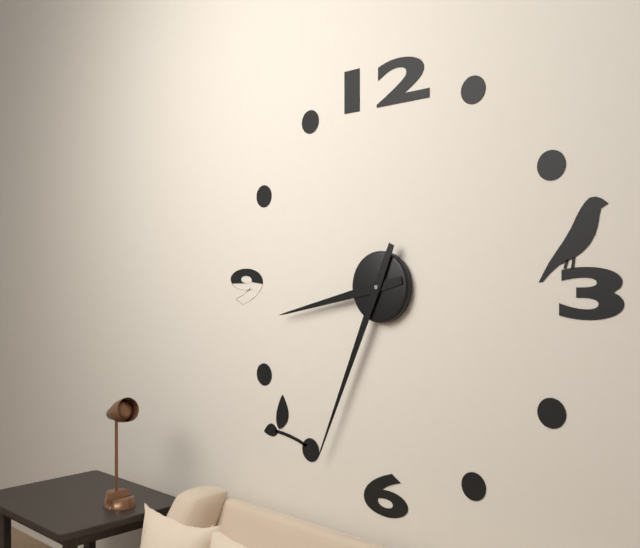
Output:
8,34
